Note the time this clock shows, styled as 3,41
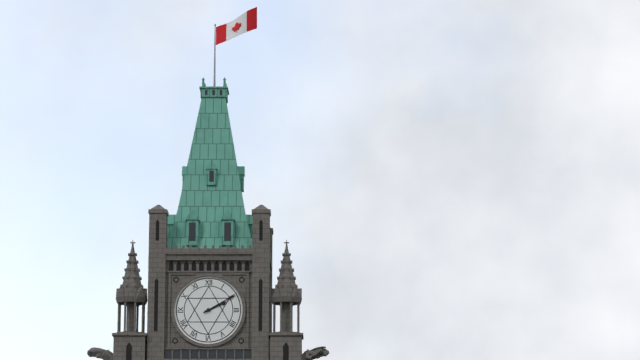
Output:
2,10
